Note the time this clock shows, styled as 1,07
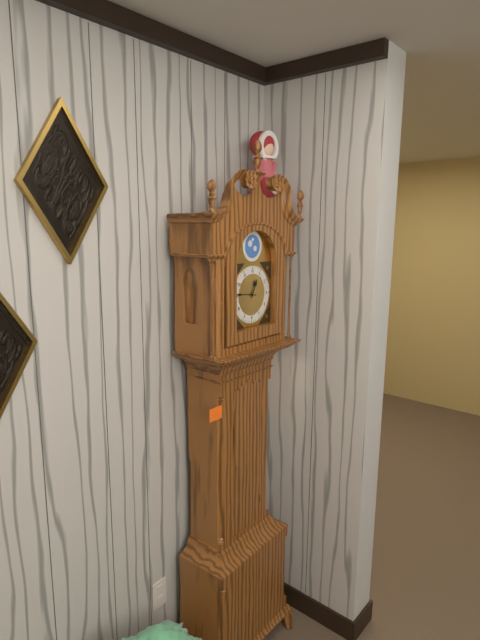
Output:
12,46
